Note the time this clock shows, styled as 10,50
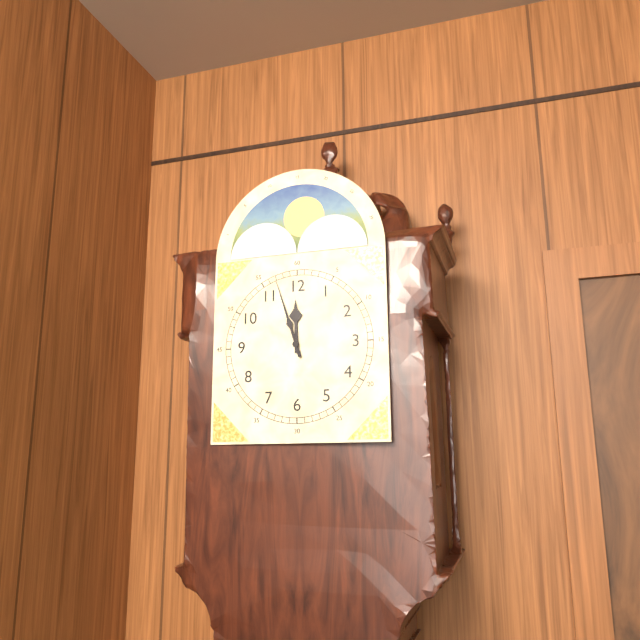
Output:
11,57
